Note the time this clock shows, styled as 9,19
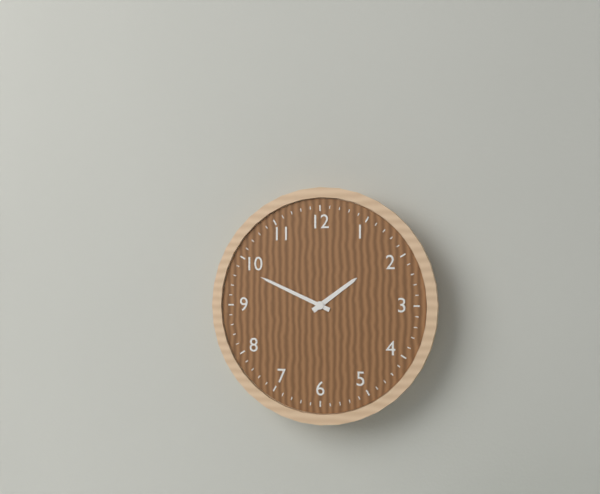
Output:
1,49
